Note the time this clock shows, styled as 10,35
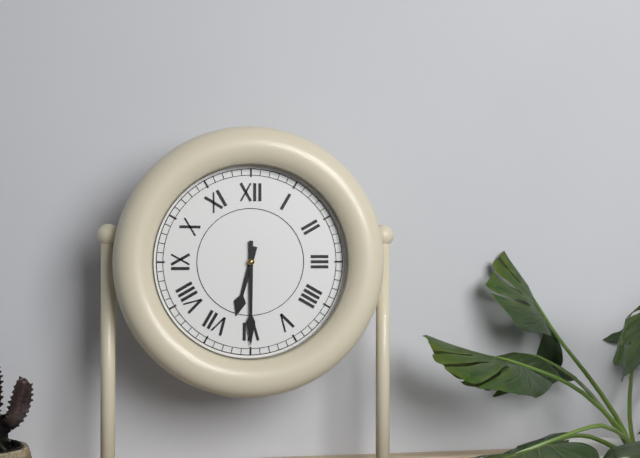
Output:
6,30
